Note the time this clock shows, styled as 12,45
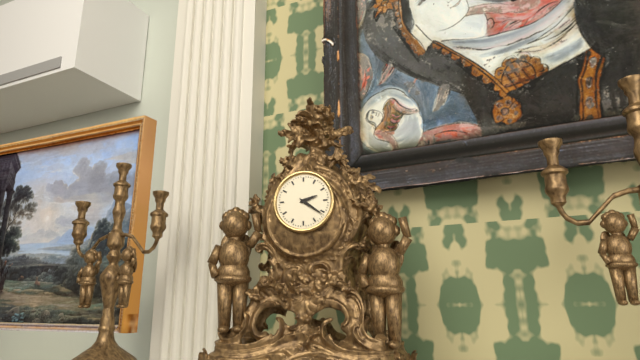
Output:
2,21
